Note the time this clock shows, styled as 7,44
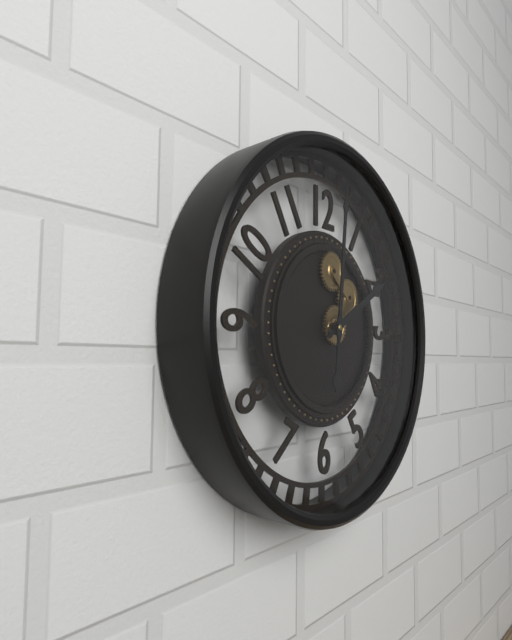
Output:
2,01
